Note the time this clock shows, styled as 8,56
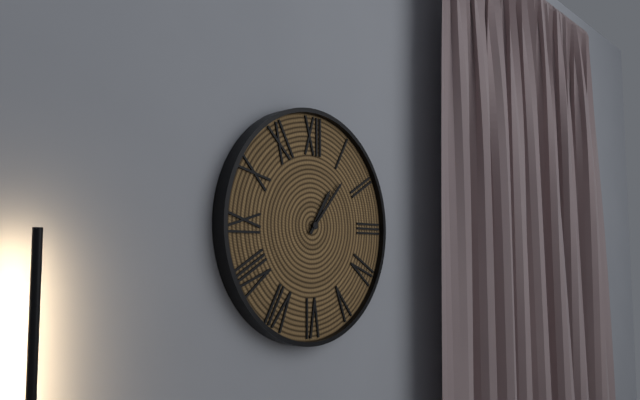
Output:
1,07
